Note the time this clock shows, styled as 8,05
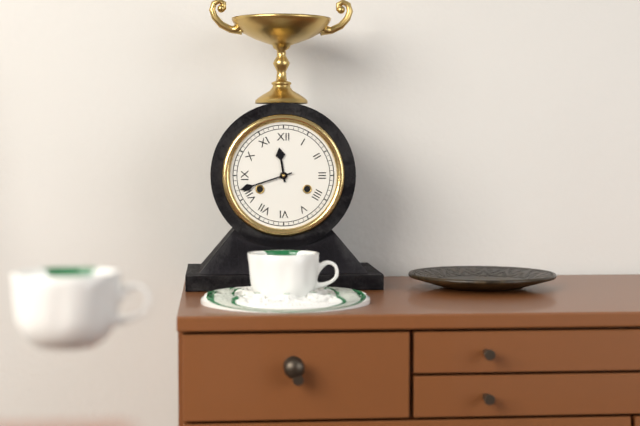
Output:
11,42
